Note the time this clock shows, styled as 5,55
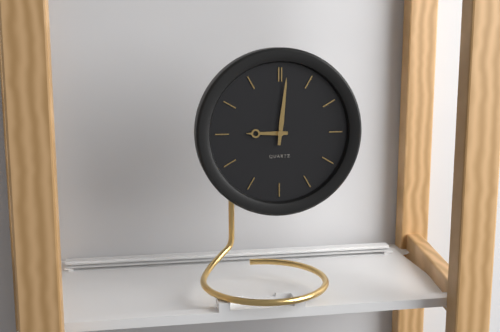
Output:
9,01
